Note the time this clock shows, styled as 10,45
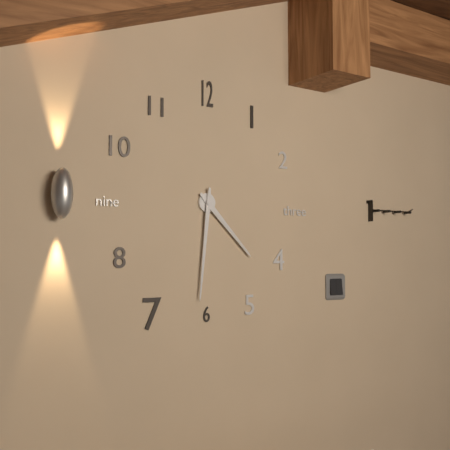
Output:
4,31
